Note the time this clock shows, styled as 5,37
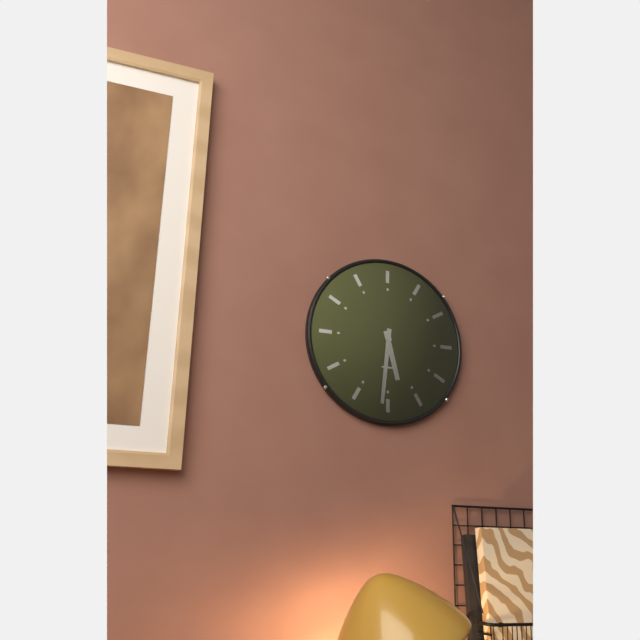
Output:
5,31
